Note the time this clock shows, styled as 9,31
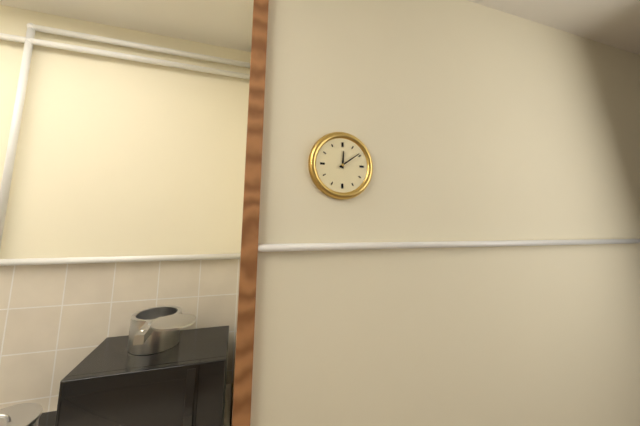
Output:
12,09
